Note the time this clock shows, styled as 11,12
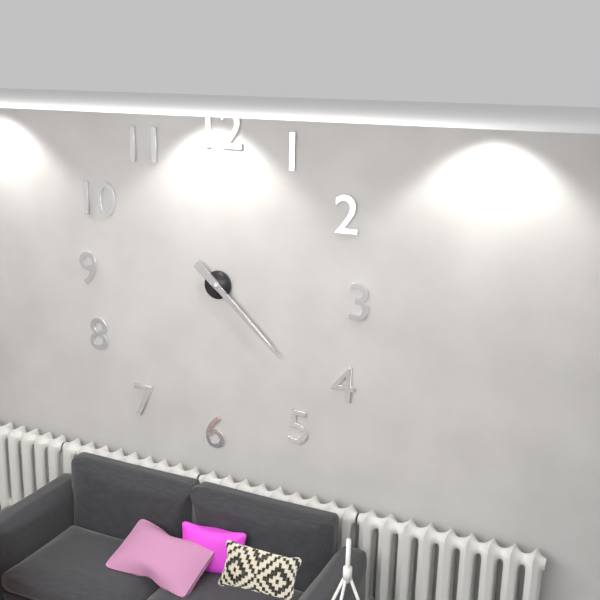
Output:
4,22
